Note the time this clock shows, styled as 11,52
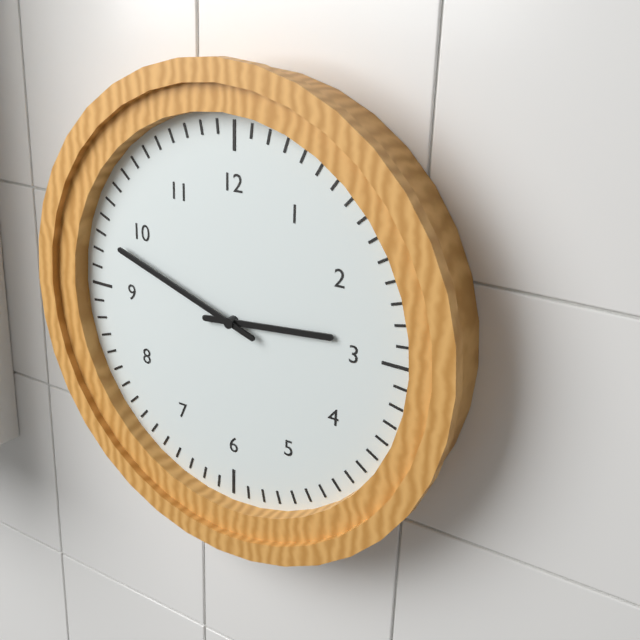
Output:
2,48
